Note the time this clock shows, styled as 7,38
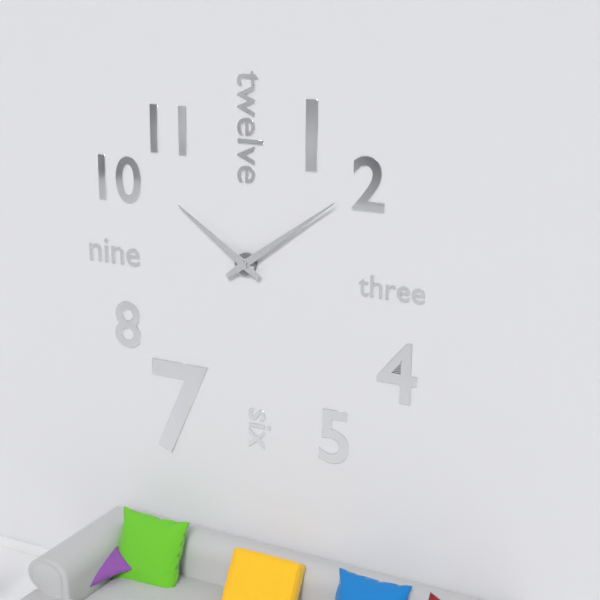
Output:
10,09
